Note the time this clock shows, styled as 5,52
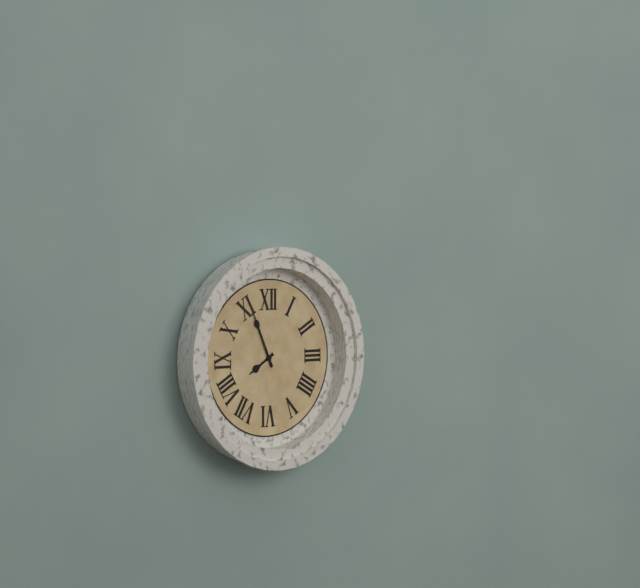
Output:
7,56
